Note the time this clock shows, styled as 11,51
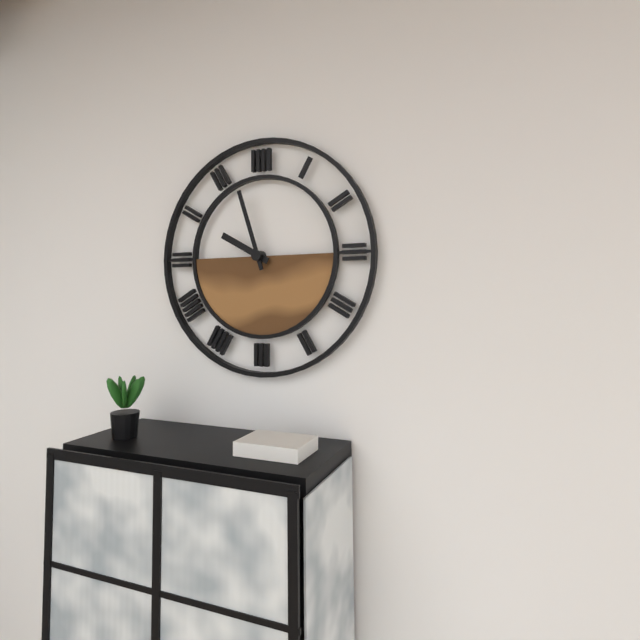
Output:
9,57
